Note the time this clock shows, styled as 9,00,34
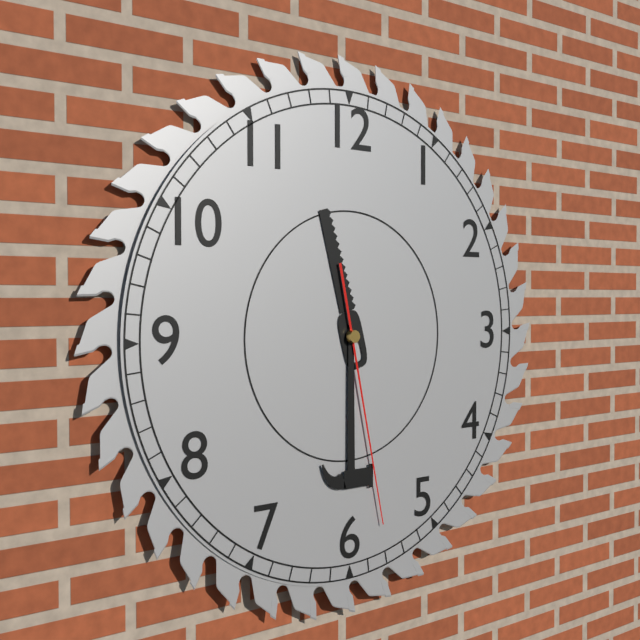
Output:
11,30,28
